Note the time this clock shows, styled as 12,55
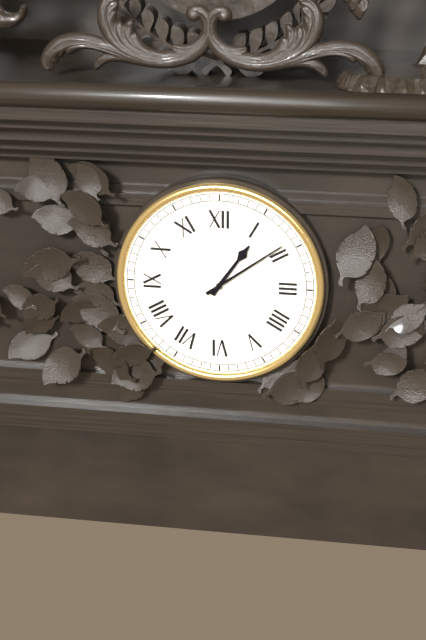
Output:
1,09
